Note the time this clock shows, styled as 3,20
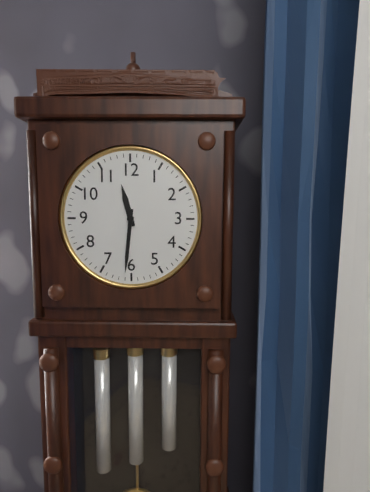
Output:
11,31
